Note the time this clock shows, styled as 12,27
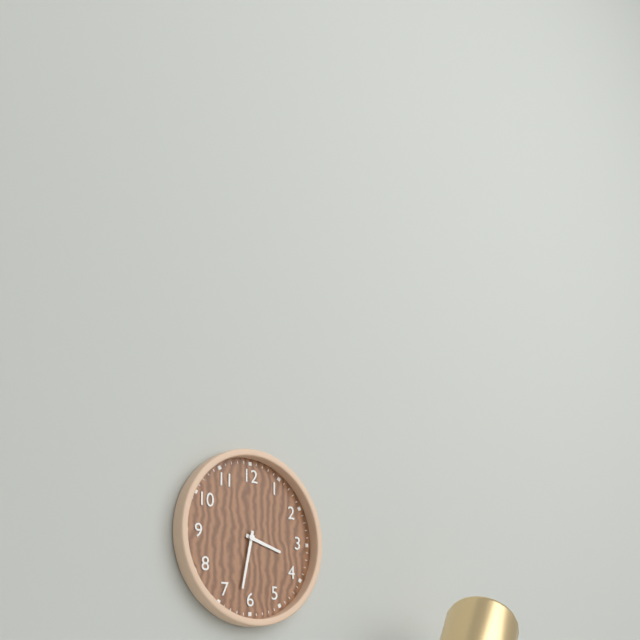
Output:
3,32
